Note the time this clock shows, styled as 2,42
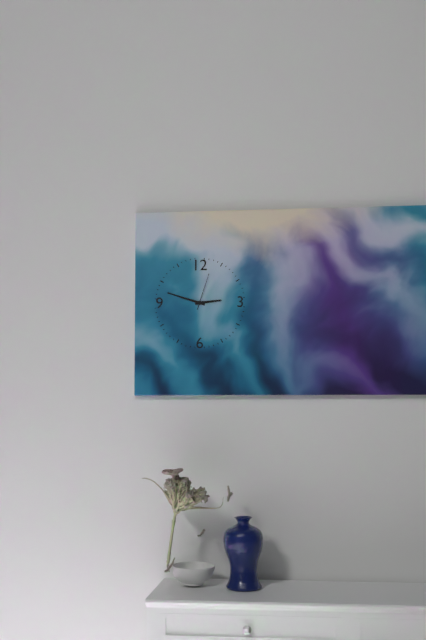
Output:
2,48
